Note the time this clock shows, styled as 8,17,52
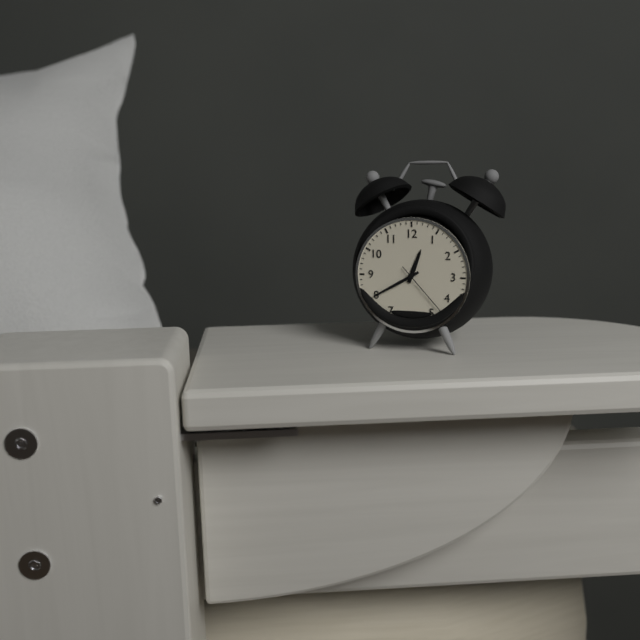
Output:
12,40,23
